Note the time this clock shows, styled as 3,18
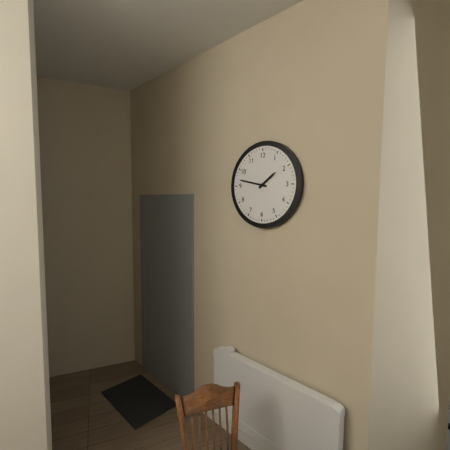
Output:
1,47
